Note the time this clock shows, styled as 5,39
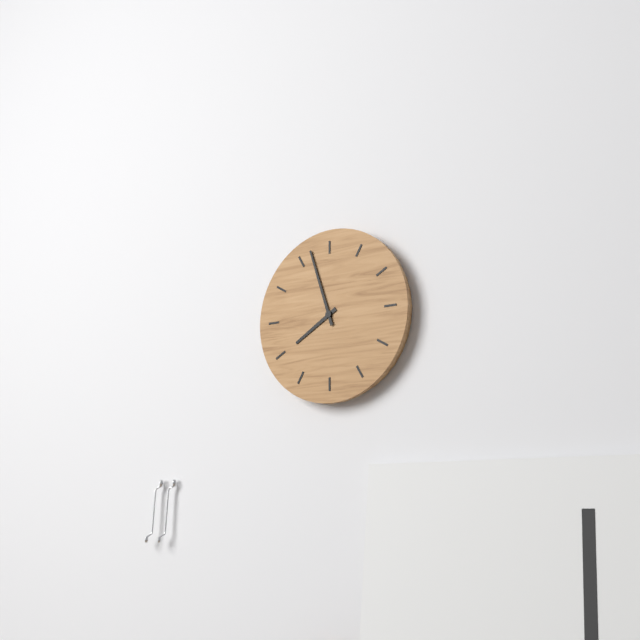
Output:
7,57
